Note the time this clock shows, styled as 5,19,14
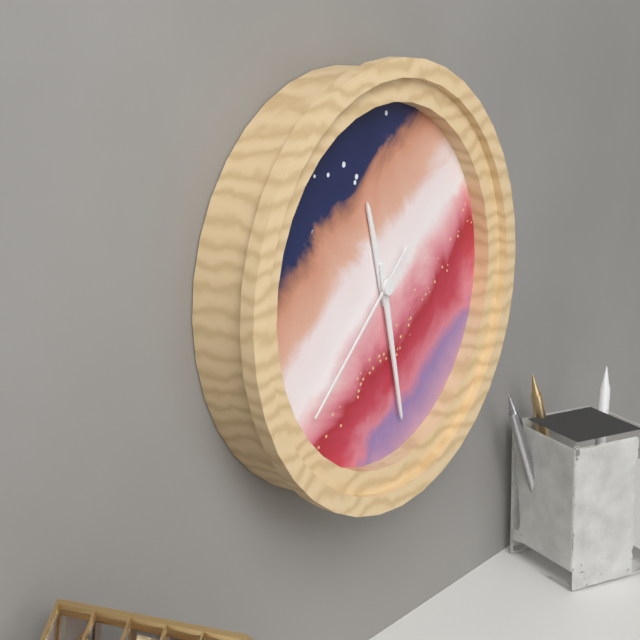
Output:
11,28,38
